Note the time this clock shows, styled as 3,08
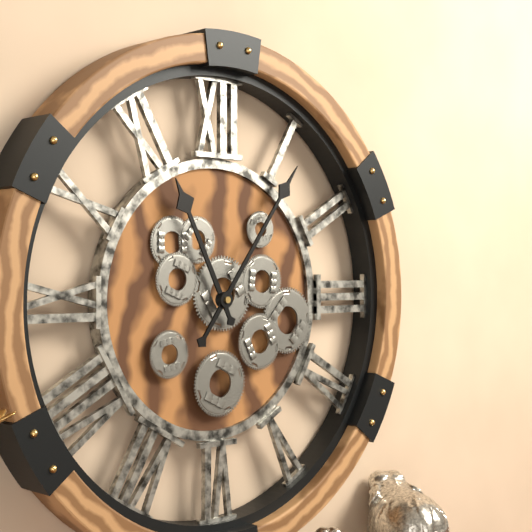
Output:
11,06
